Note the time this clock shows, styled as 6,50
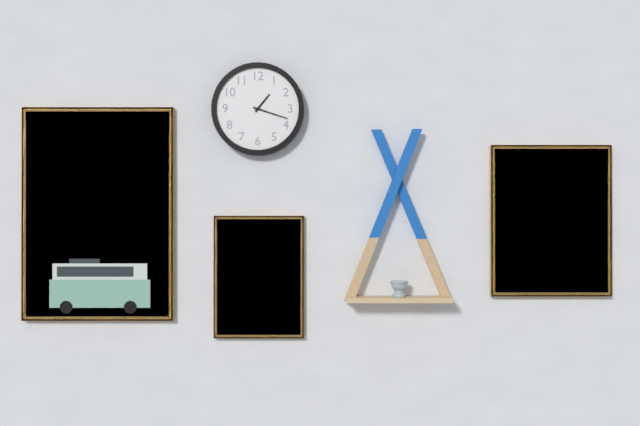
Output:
1,18
